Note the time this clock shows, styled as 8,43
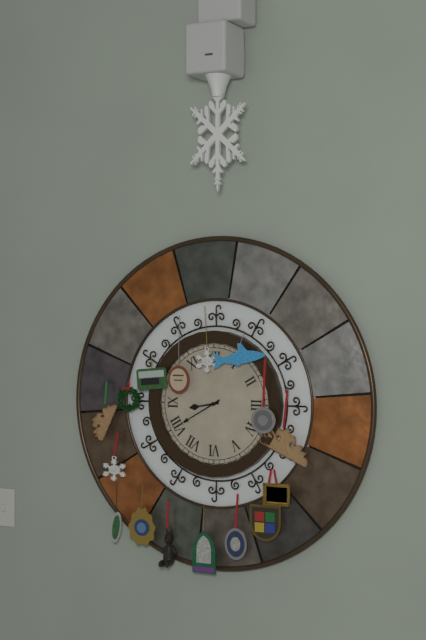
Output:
8,40
